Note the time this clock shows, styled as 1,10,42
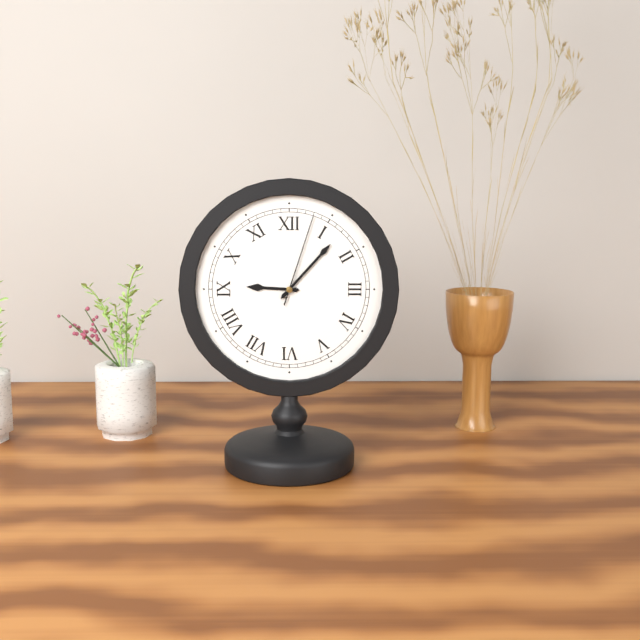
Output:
9,07,03
